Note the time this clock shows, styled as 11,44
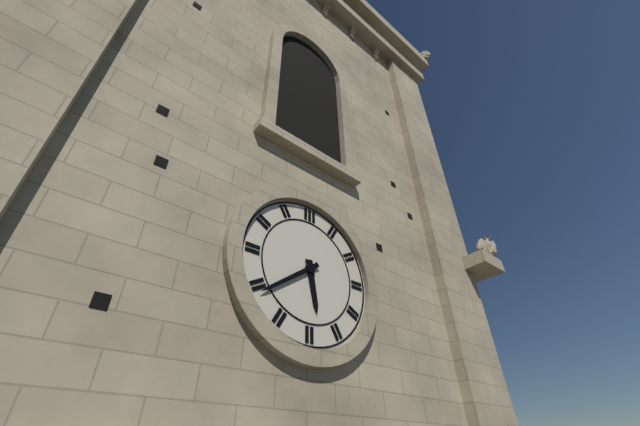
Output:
5,39
